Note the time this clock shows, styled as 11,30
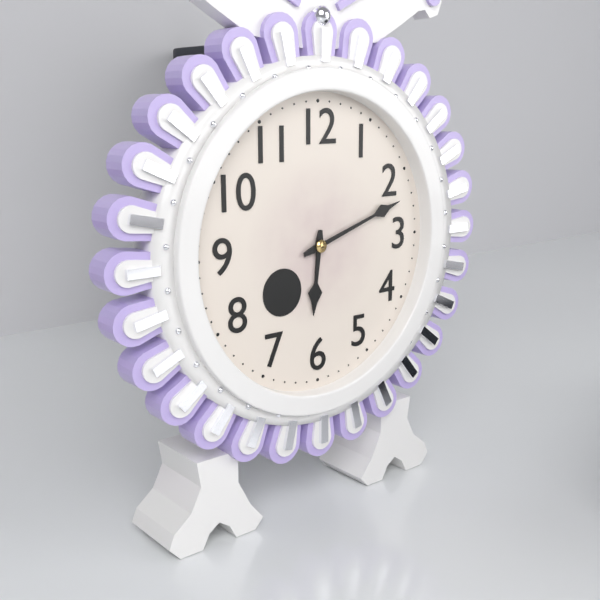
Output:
6,12
